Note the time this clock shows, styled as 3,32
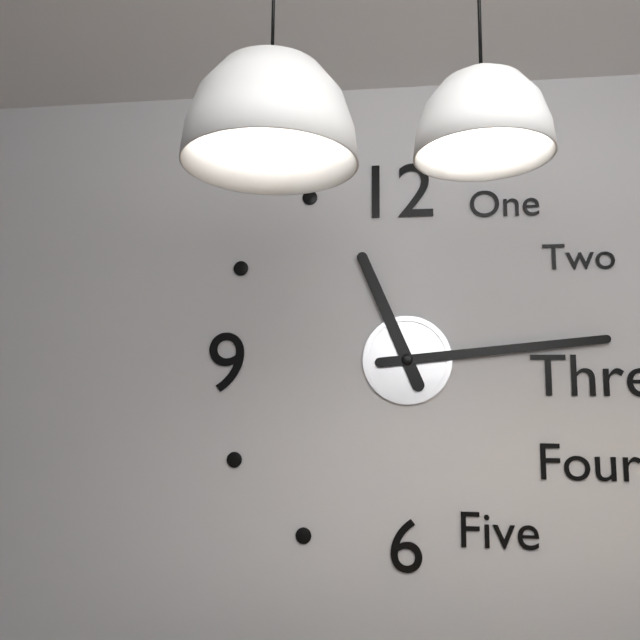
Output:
11,14
